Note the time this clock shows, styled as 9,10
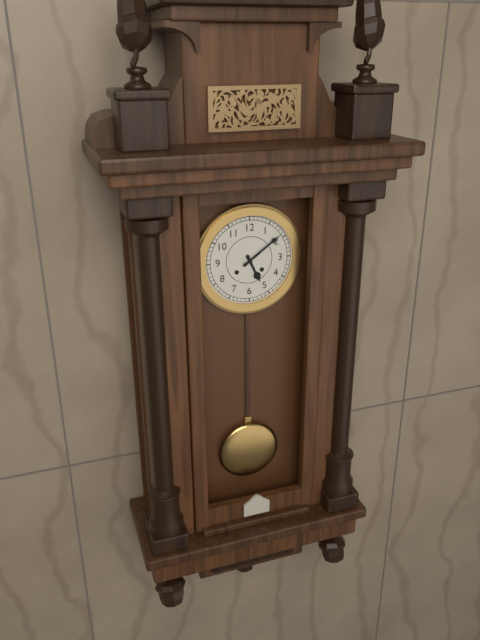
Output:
5,09
